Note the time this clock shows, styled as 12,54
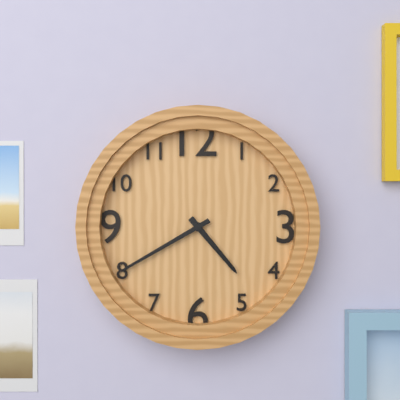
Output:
4,40
